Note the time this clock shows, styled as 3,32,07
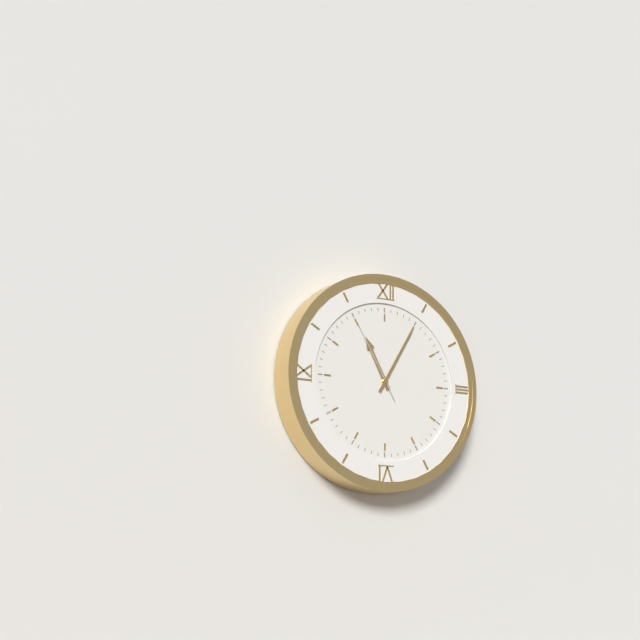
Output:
11,05,55
